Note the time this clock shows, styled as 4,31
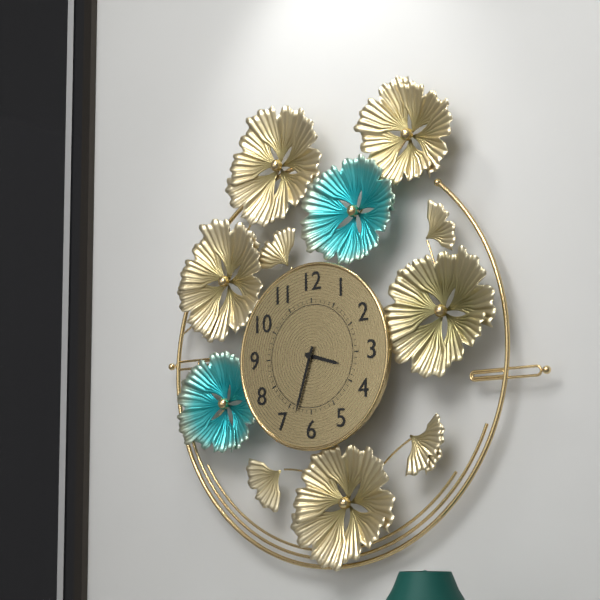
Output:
3,33
